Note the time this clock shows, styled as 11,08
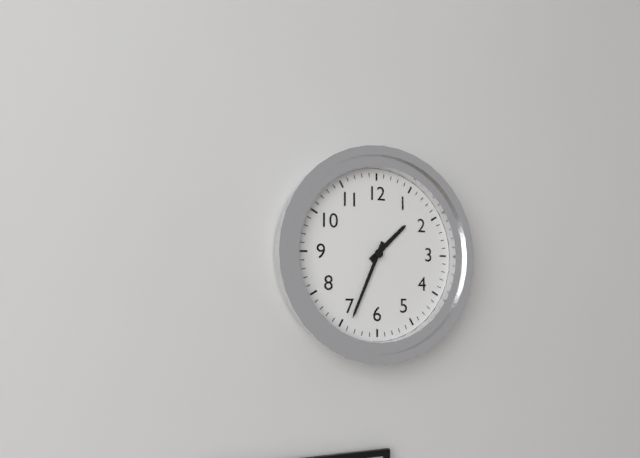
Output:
1,34
